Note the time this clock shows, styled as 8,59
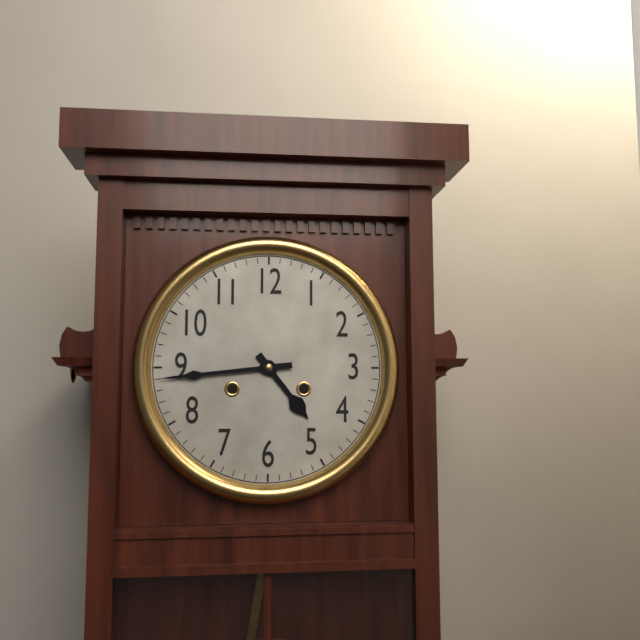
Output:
4,44
